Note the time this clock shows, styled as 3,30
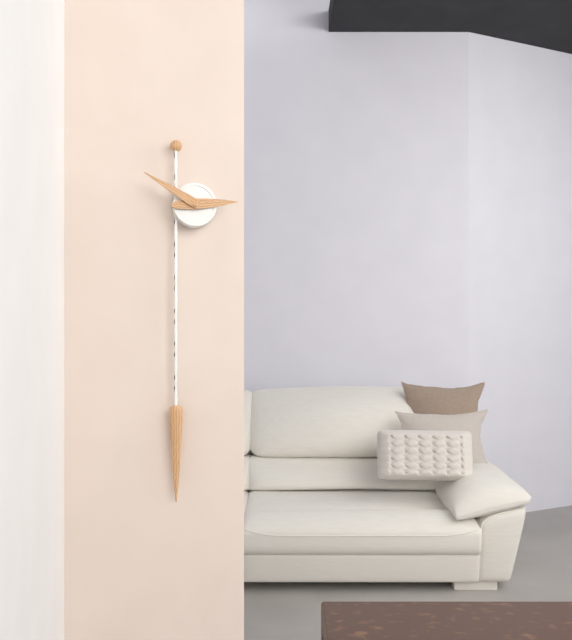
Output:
2,50
